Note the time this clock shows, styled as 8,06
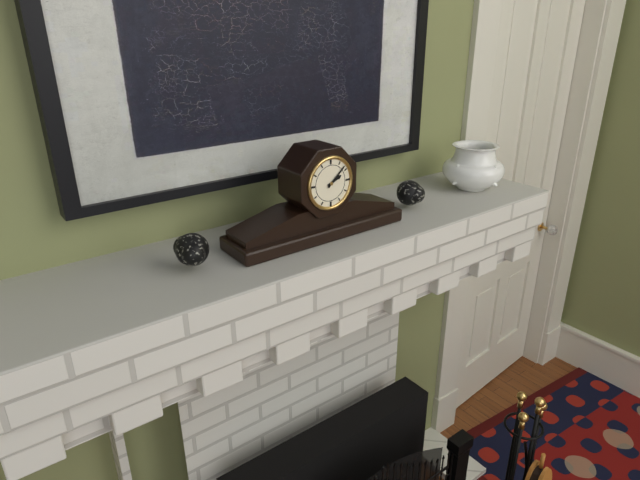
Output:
2,08
